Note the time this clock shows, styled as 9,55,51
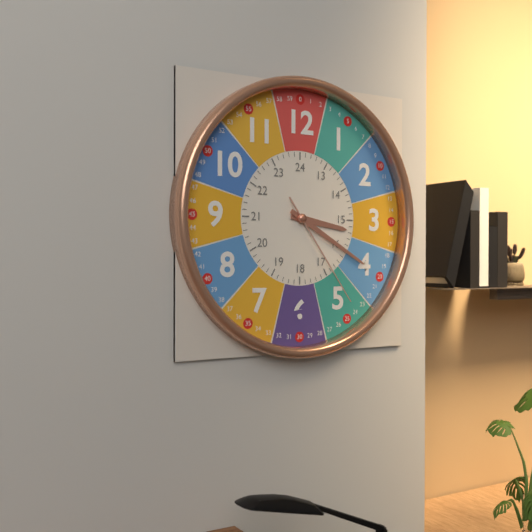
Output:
3,20,24
